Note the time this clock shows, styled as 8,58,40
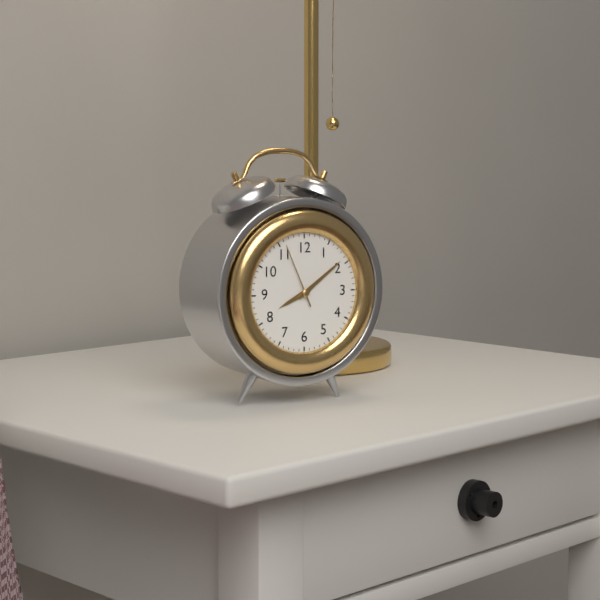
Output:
8,09,56
